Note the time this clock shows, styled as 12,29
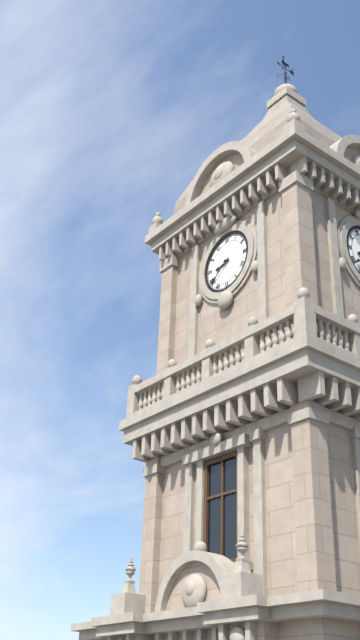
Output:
8,39
